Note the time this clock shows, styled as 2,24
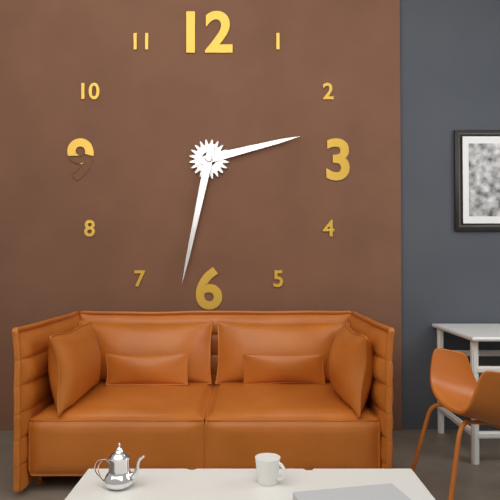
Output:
2,32
